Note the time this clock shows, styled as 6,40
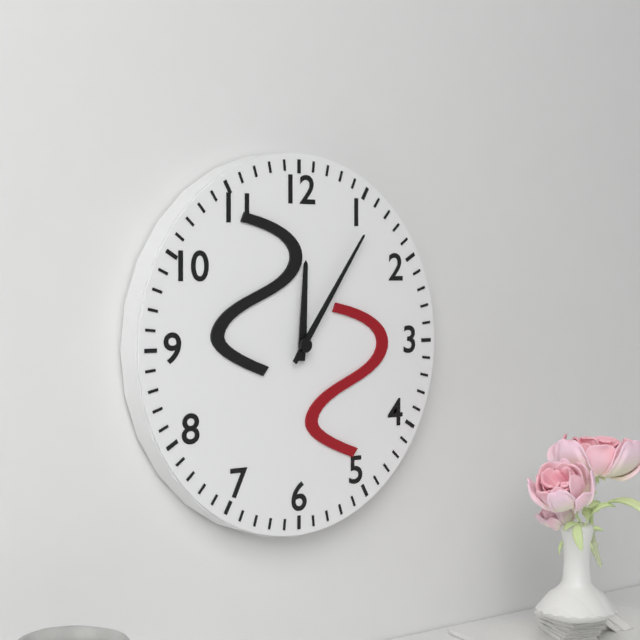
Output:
12,06
